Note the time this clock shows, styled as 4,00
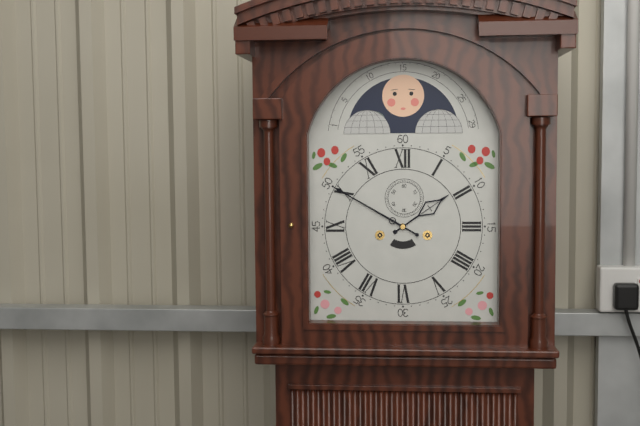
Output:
1,50
